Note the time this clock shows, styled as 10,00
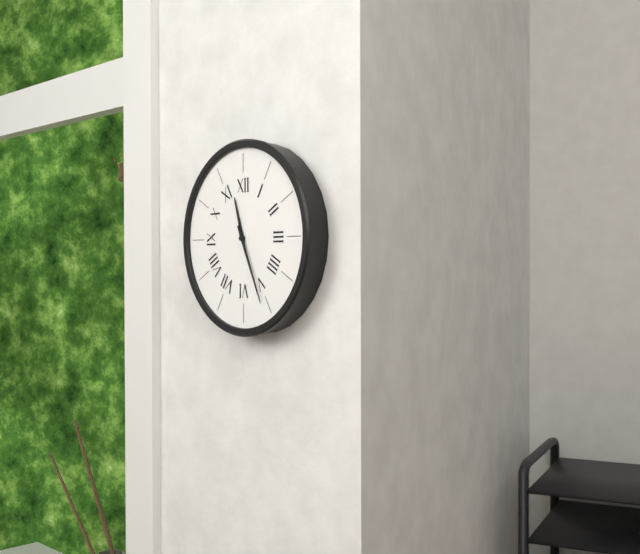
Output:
11,26
